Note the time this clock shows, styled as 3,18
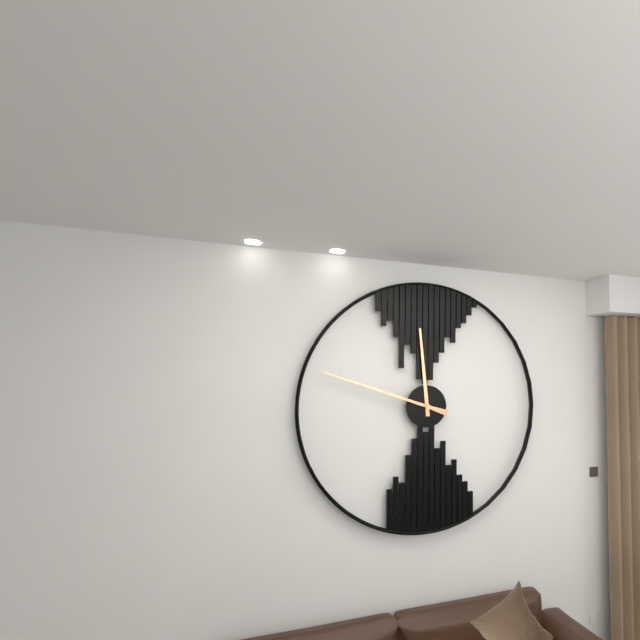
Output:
11,48
